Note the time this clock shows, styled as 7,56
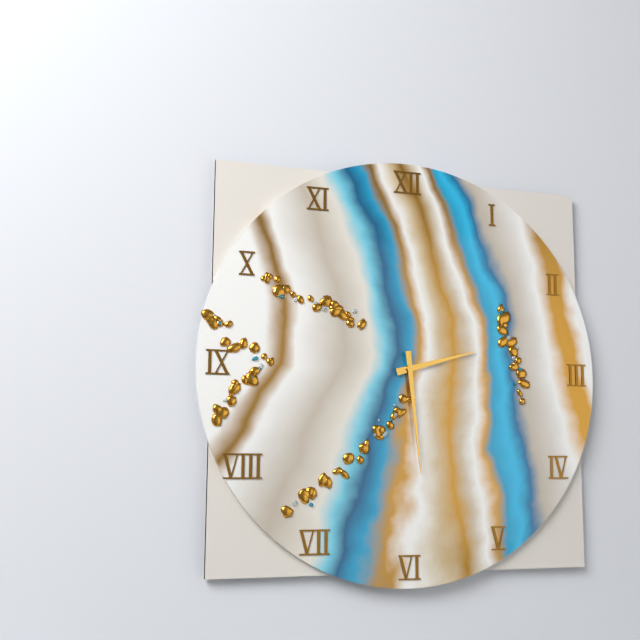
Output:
2,29
